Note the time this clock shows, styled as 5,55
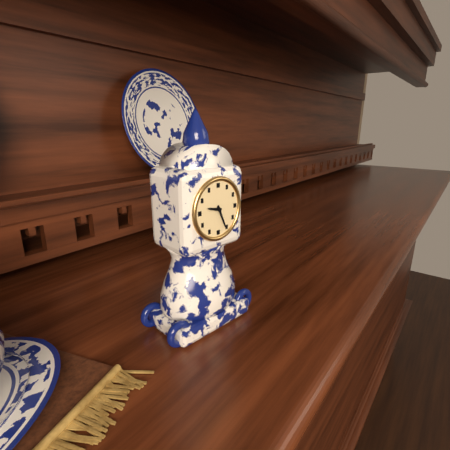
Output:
9,26
